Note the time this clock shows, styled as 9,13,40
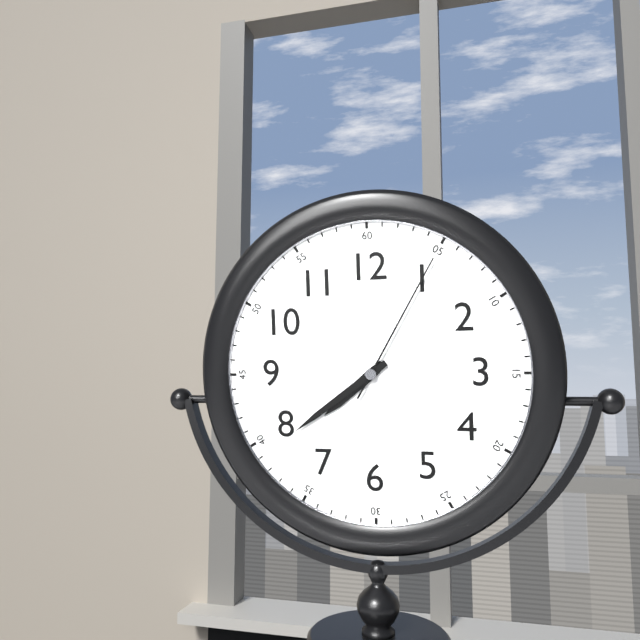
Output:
7,39,05
